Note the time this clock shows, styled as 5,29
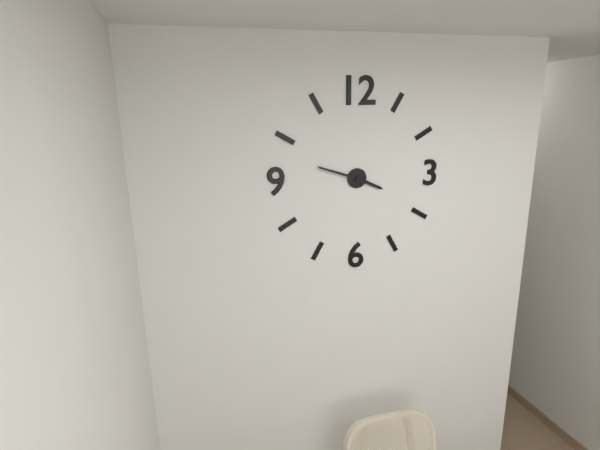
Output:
3,48
